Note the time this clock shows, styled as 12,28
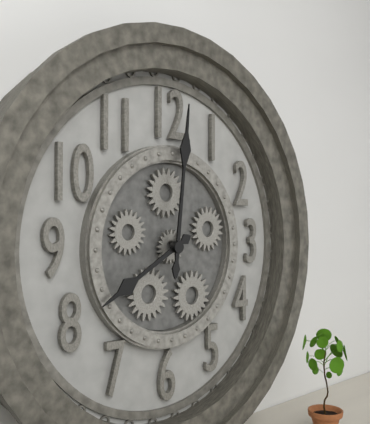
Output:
8,01
